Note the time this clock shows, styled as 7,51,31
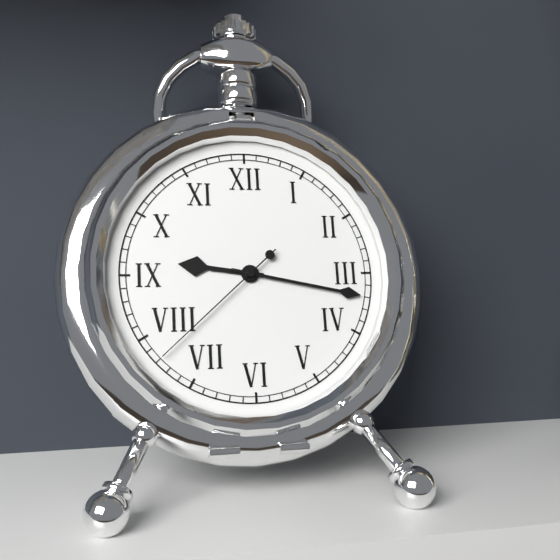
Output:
9,17,38
